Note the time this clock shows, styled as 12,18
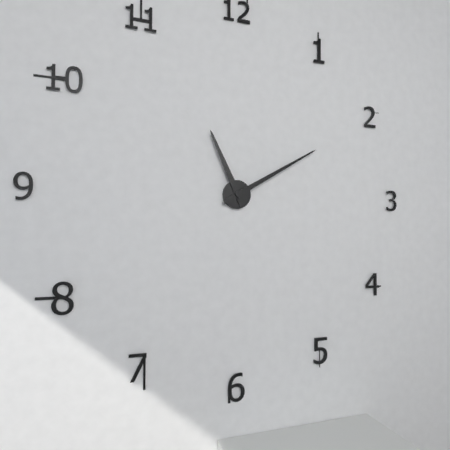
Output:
11,10
